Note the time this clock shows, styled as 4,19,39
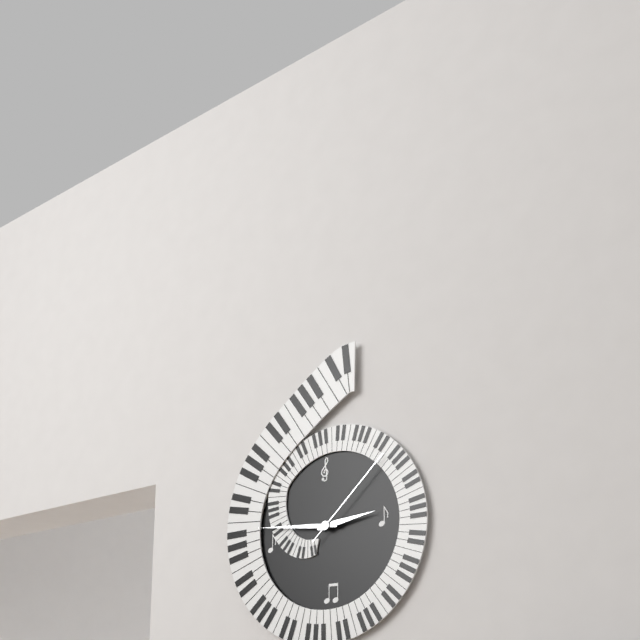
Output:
2,46,08
